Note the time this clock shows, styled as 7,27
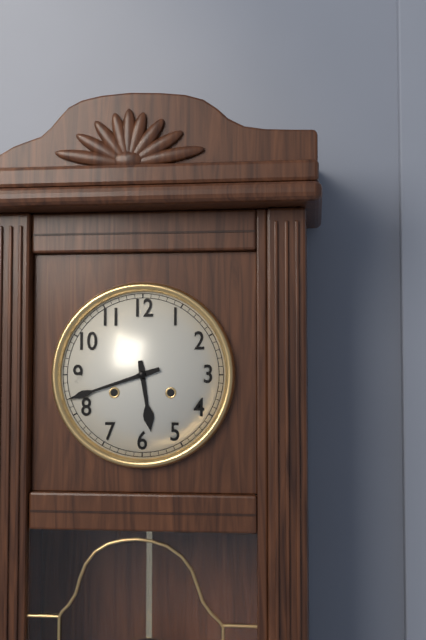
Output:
5,42
